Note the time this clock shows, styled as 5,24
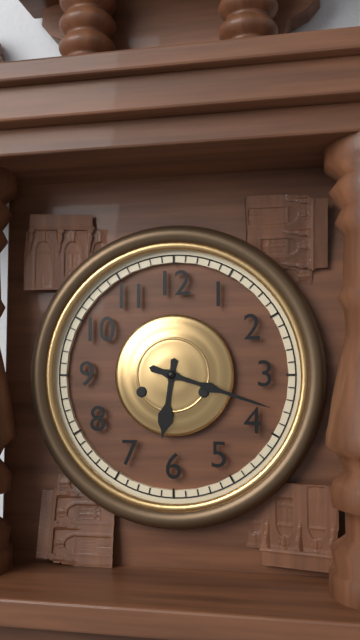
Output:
6,18
